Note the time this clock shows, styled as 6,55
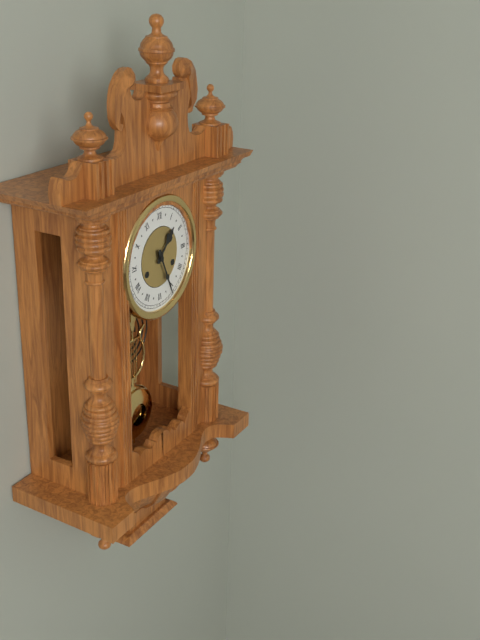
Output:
1,26
